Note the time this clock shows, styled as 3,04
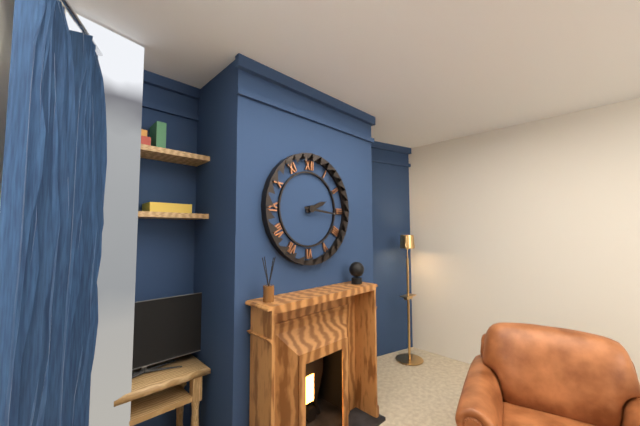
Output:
2,16
